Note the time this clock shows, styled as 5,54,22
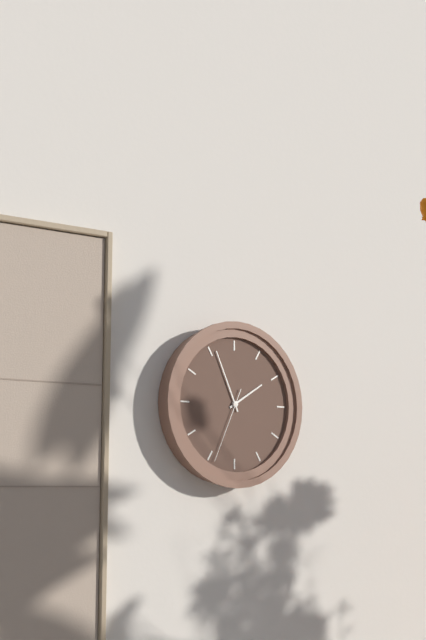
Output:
1,56,34
